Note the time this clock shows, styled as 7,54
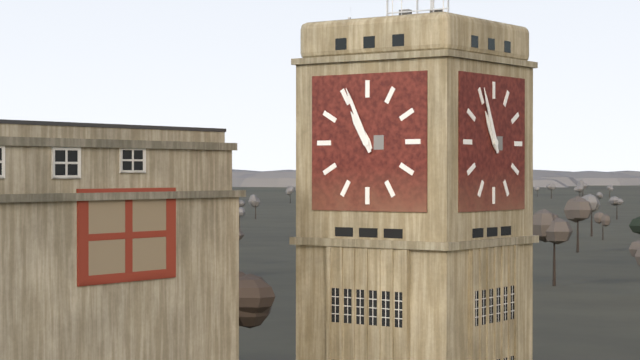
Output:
10,56
